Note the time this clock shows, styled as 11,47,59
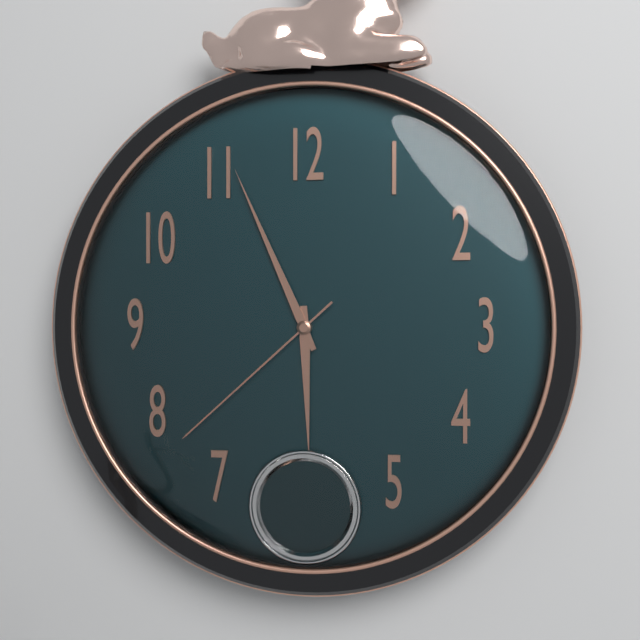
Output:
5,56,38
